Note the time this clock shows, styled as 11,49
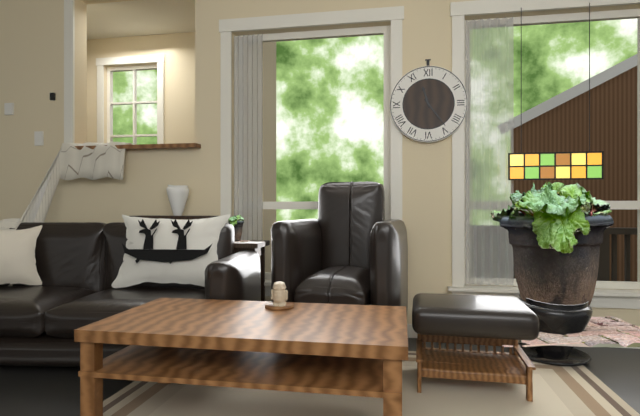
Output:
11,24
